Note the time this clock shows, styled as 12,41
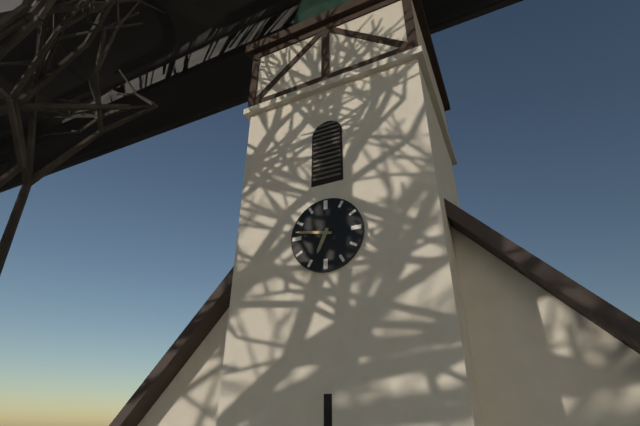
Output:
6,47
